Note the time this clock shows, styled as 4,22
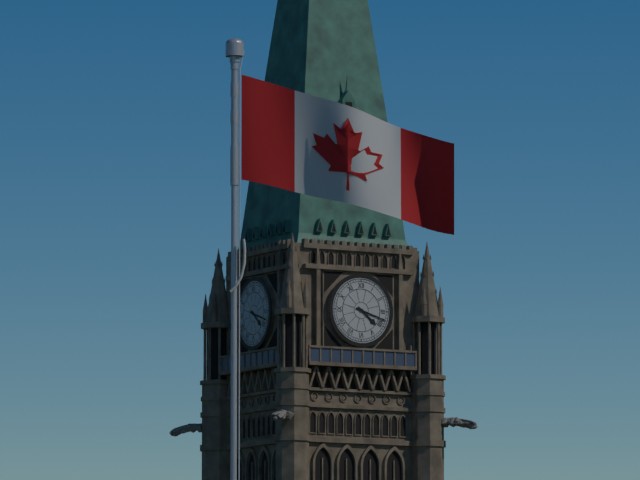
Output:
4,18
